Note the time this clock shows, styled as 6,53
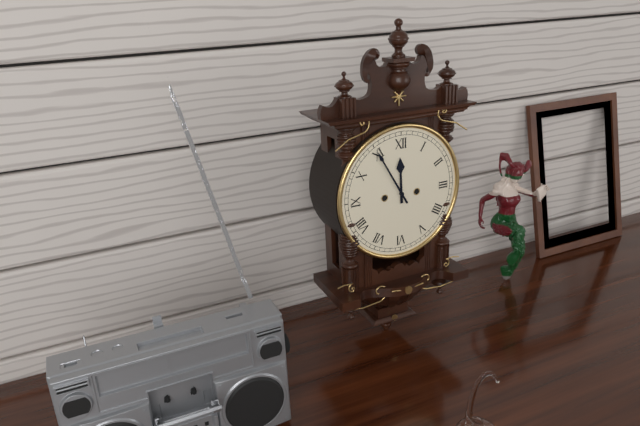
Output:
11,55
